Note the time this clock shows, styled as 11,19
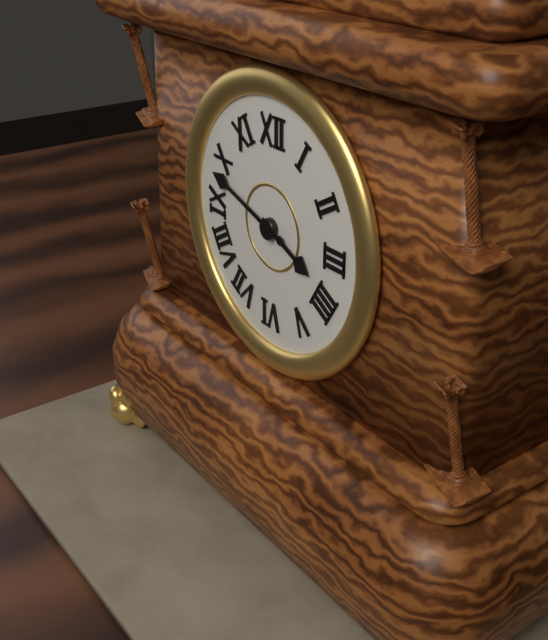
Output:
3,48
